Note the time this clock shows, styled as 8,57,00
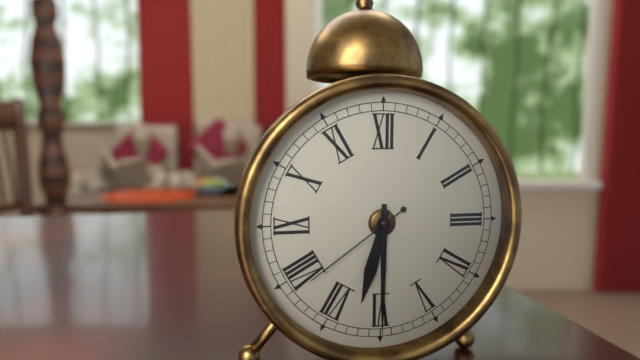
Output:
6,30,39
